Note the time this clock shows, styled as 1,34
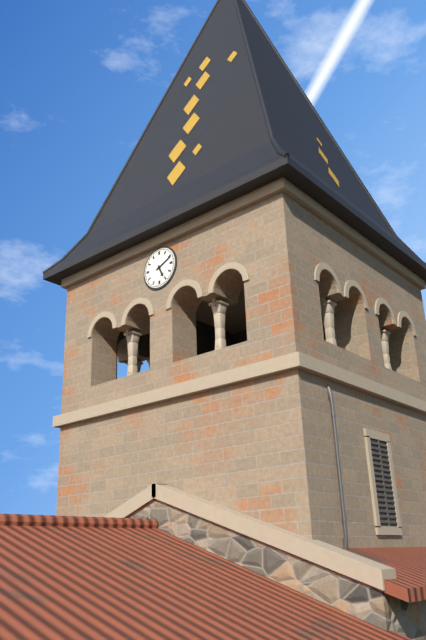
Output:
5,11
